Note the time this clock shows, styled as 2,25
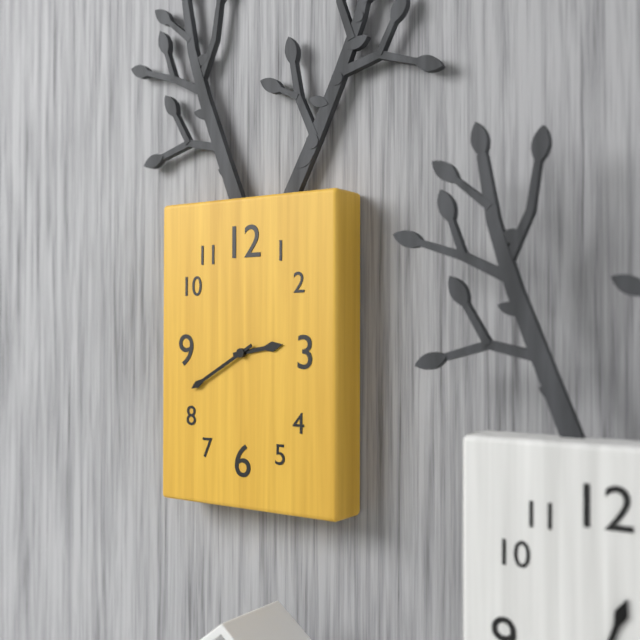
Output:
2,40
